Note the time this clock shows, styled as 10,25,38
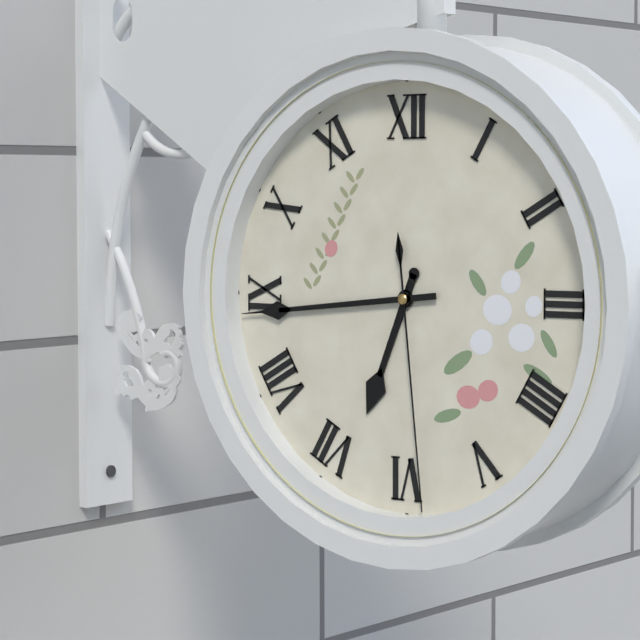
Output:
6,44,29
